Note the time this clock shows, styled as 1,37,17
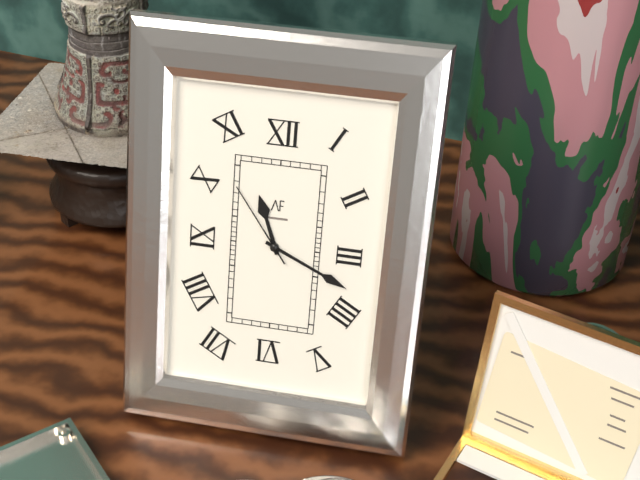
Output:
11,19,54
